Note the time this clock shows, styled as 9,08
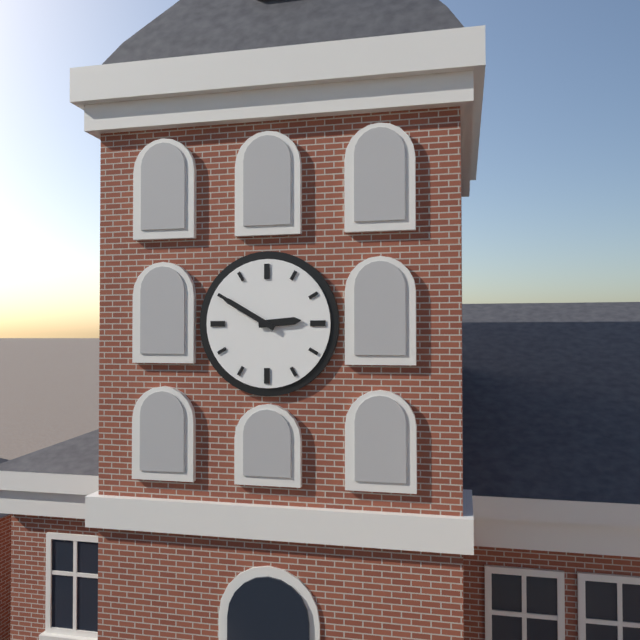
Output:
2,50
